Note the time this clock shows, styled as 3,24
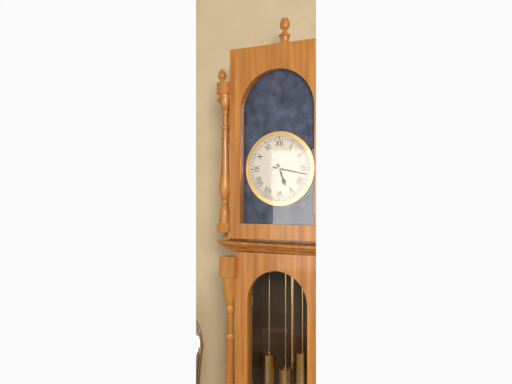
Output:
5,17
